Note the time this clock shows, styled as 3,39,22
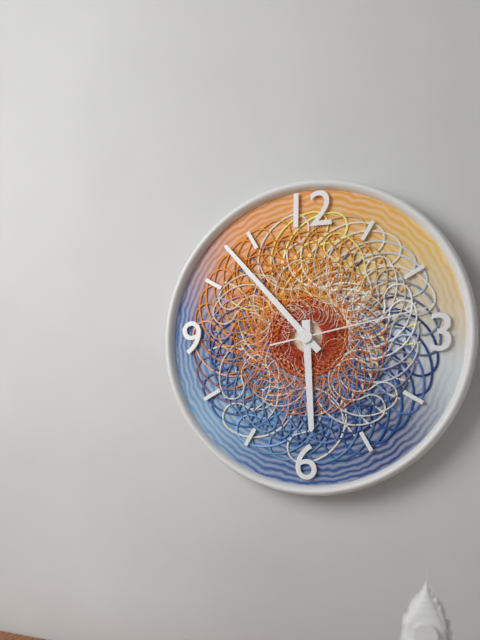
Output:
5,53,13
